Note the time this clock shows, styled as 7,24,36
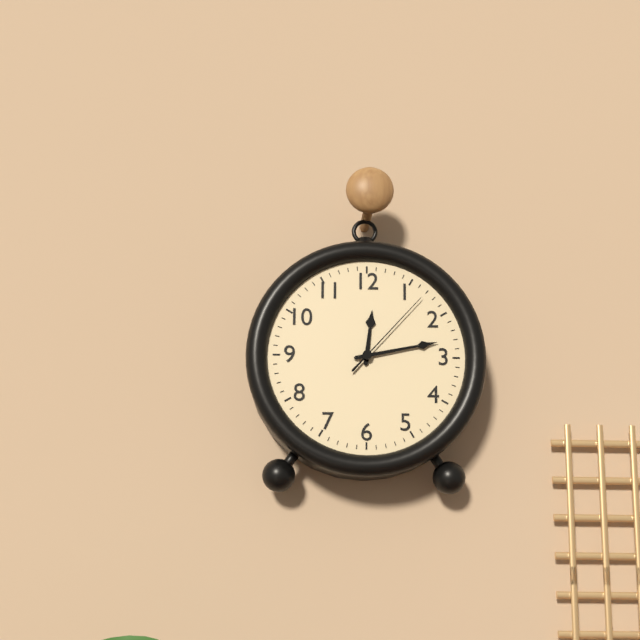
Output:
12,13,07
